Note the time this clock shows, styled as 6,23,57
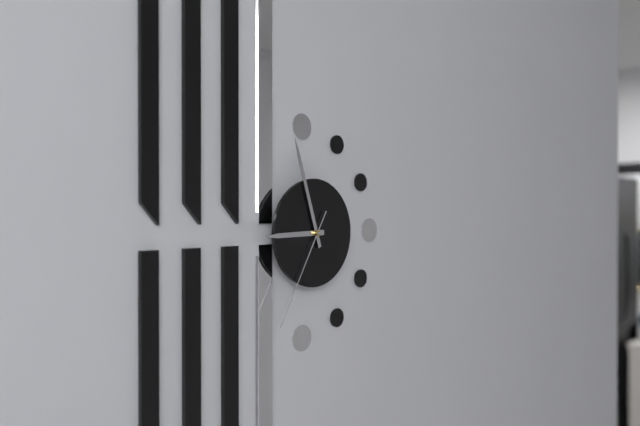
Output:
8,57,35
